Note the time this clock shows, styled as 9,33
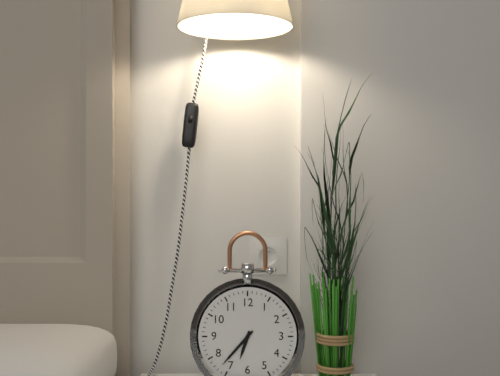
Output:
6,37
